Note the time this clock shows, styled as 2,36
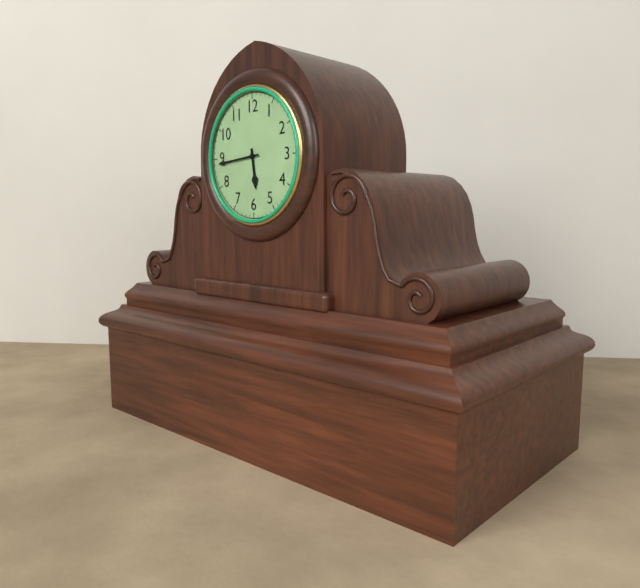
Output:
5,44
